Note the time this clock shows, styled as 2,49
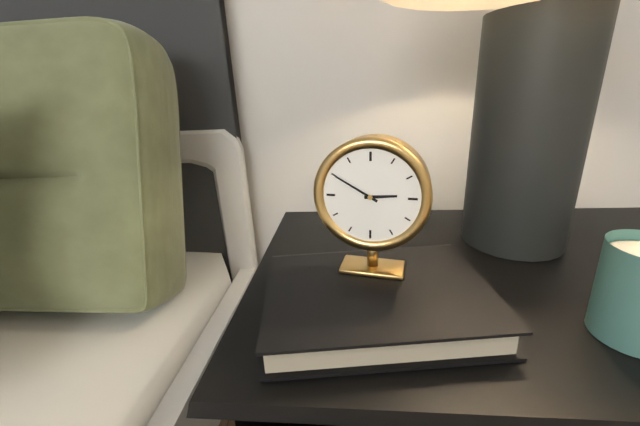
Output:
2,50
